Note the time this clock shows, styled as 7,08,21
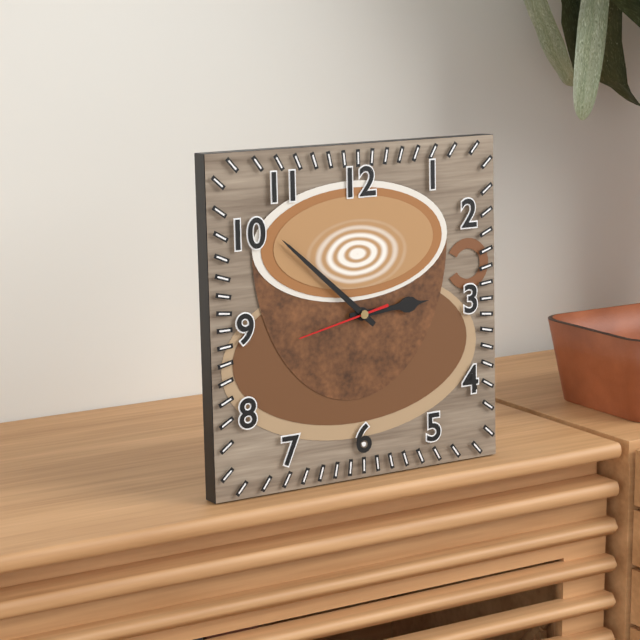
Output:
2,52,43
